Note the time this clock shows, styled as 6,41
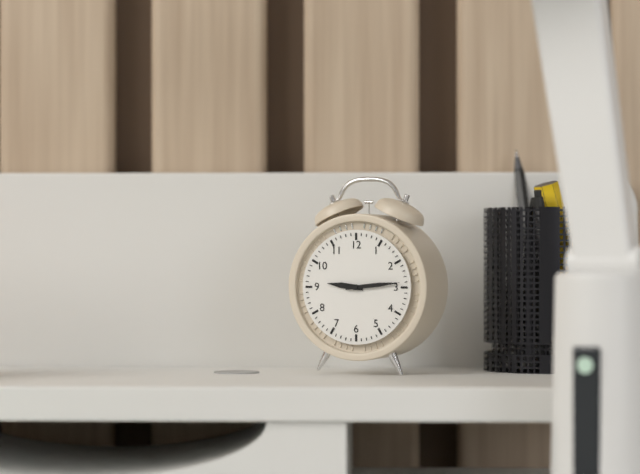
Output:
9,14
